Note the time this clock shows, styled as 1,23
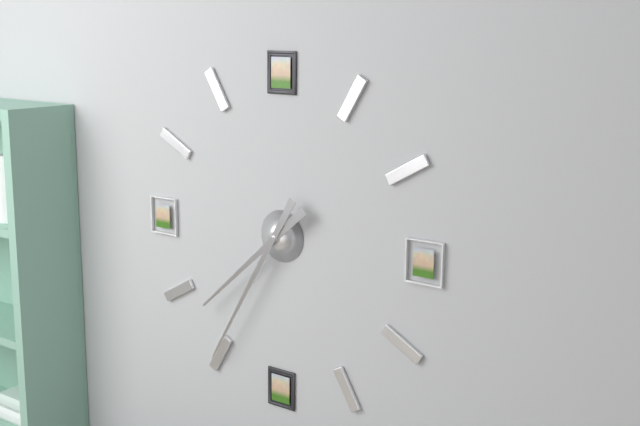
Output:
7,35
